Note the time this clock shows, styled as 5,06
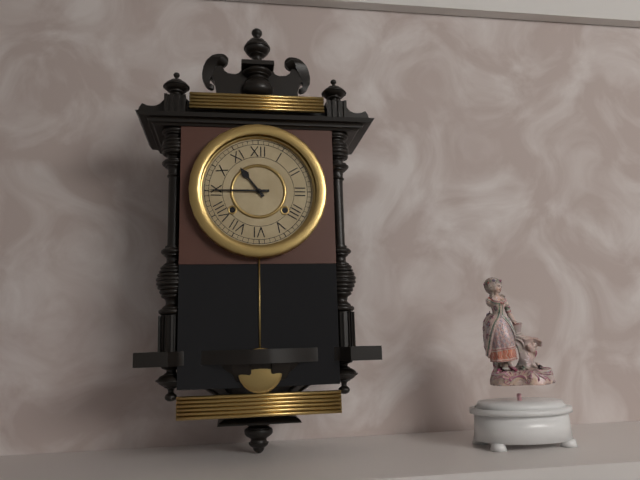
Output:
10,45
